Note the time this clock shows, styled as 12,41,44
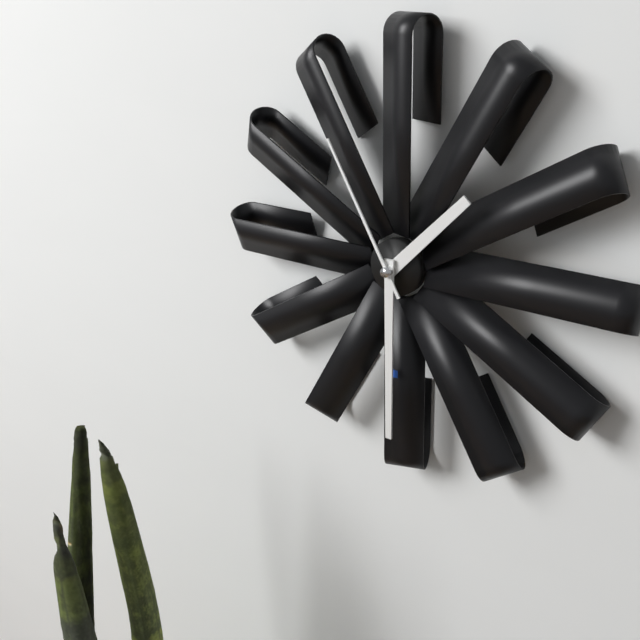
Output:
1,30,55
